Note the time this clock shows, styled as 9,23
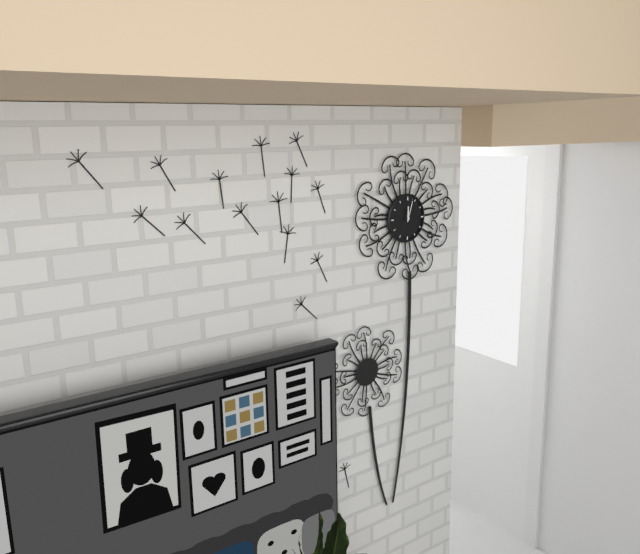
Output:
12,03
